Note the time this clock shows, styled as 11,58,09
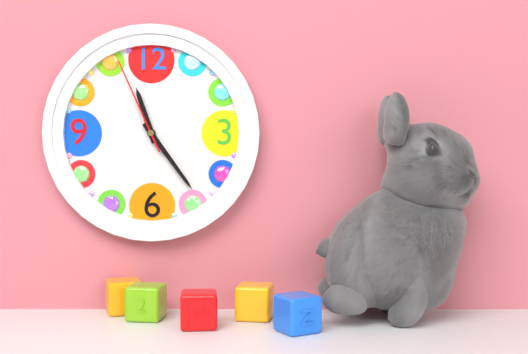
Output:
11,24,56
